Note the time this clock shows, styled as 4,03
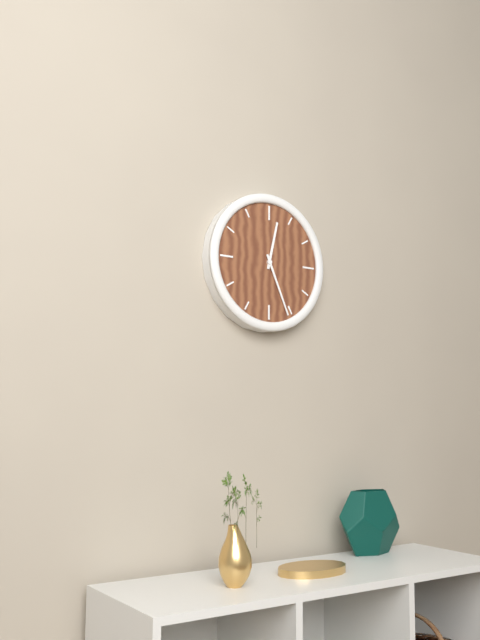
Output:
12,26
